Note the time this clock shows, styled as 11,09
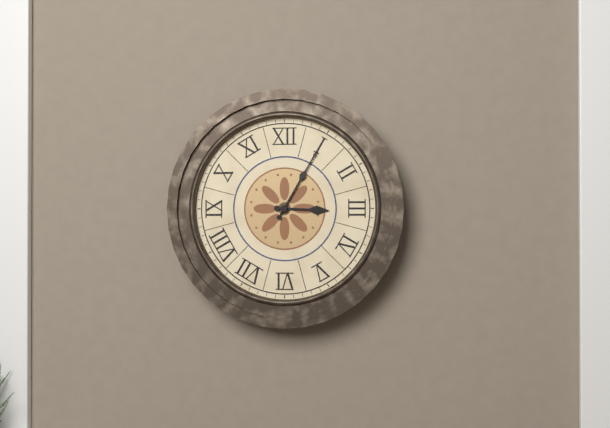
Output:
3,05
